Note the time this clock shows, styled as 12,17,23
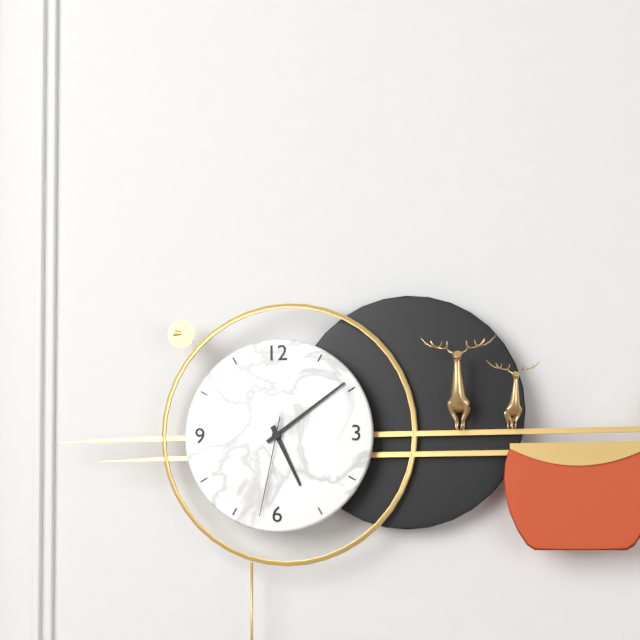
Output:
5,09,32
